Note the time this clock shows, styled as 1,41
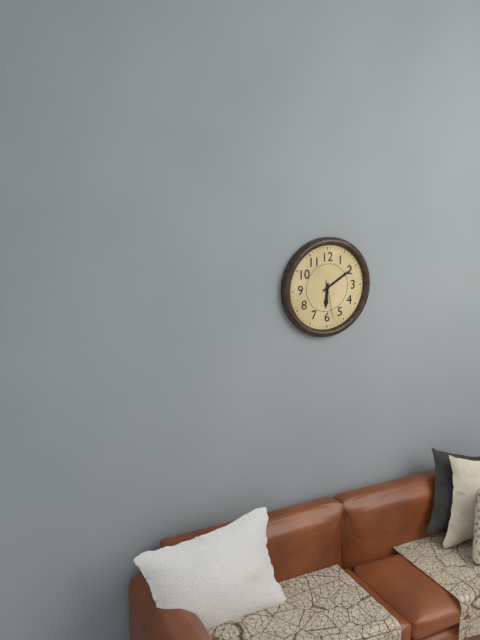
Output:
6,10
